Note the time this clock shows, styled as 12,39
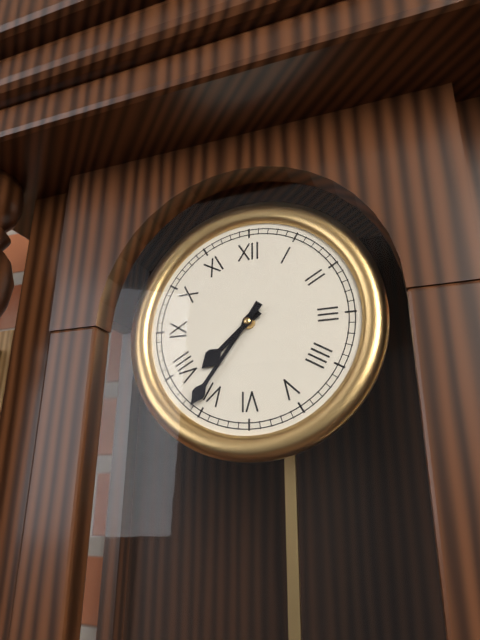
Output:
7,36
